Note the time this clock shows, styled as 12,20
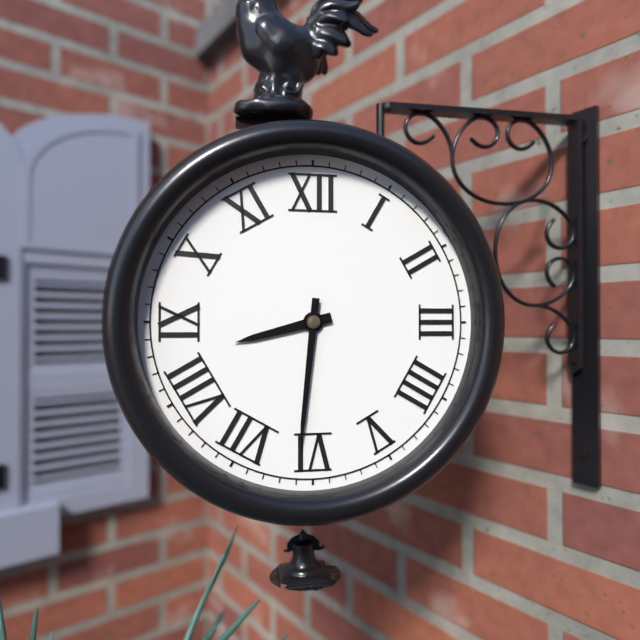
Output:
8,31
